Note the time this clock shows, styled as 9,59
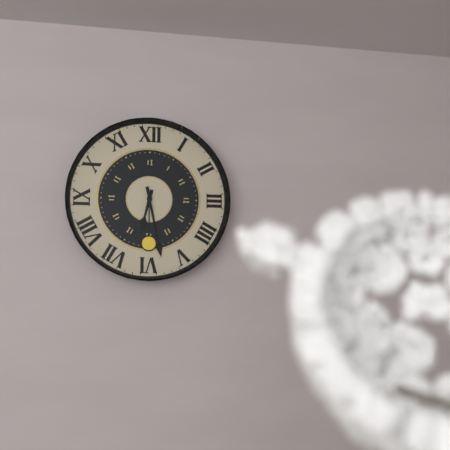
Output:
6,28
